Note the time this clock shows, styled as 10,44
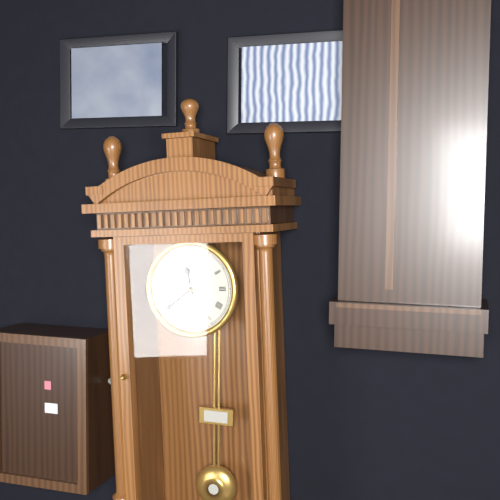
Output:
11,39
